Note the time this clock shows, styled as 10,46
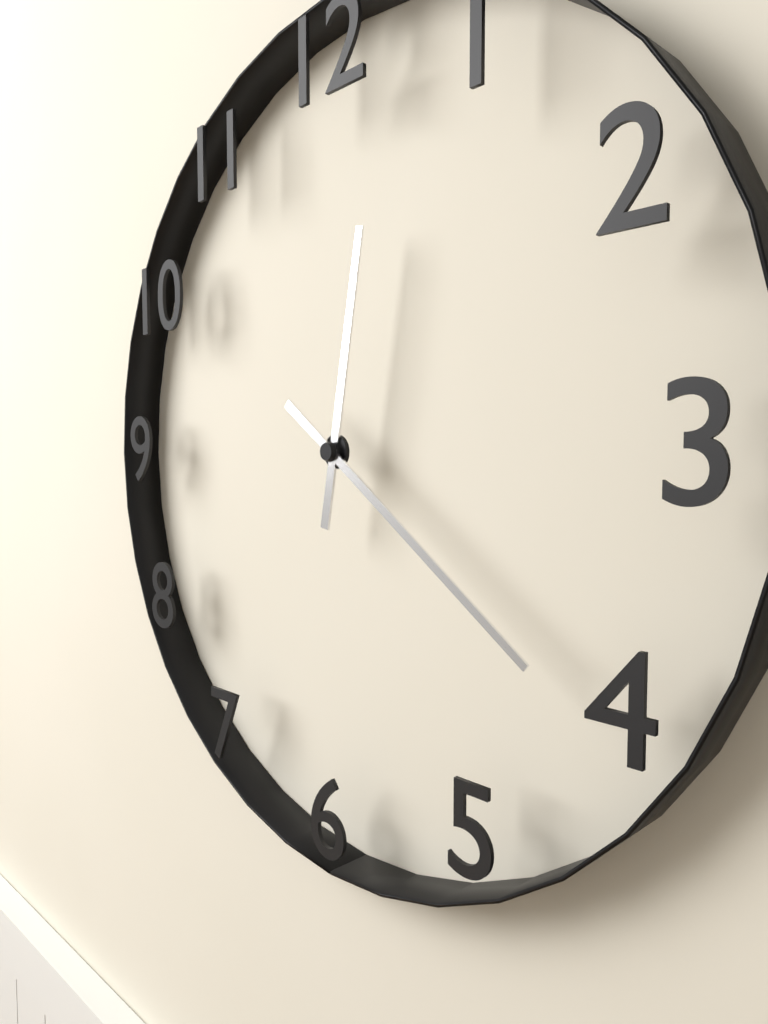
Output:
12,21
